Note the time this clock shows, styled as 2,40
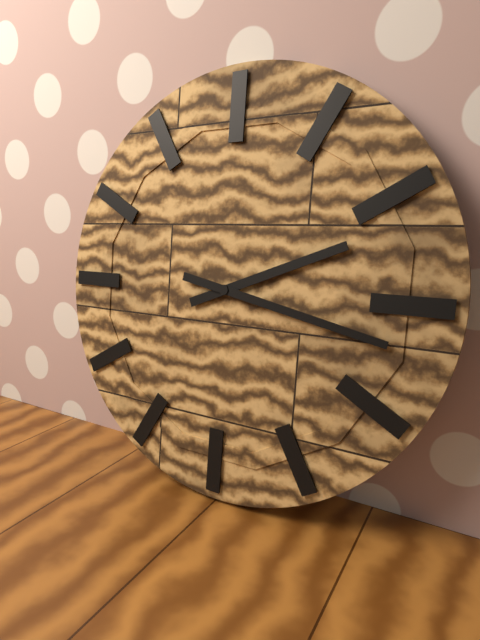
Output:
2,17
